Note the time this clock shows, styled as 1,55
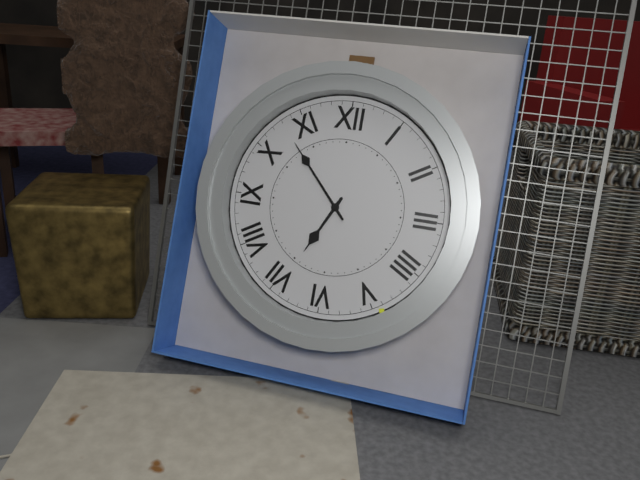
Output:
6,53
